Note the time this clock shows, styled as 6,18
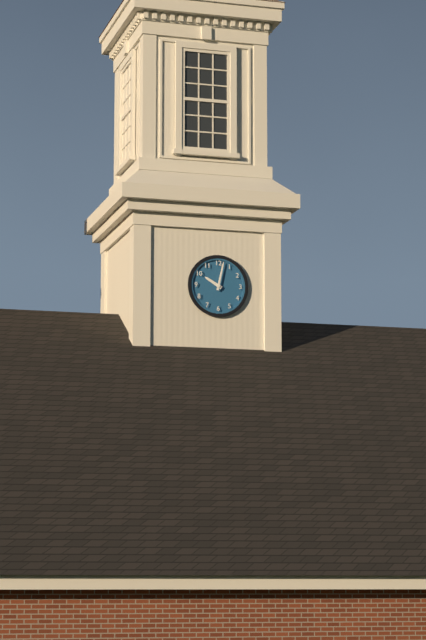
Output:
10,02
